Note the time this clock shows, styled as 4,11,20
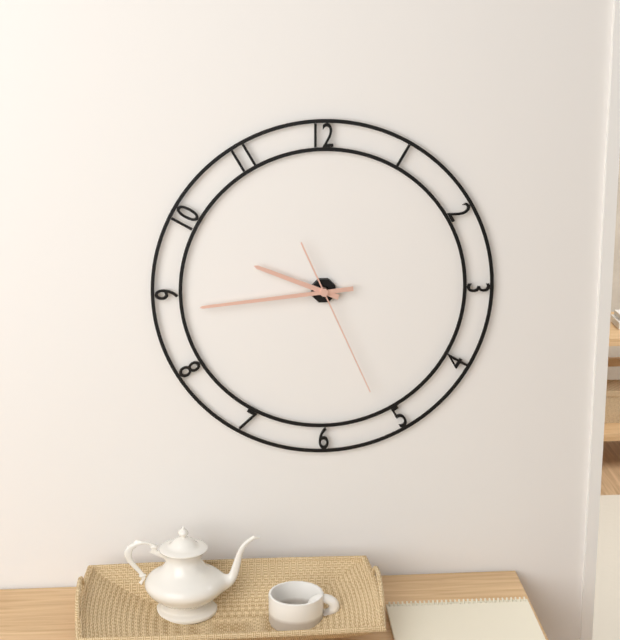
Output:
9,44,26
